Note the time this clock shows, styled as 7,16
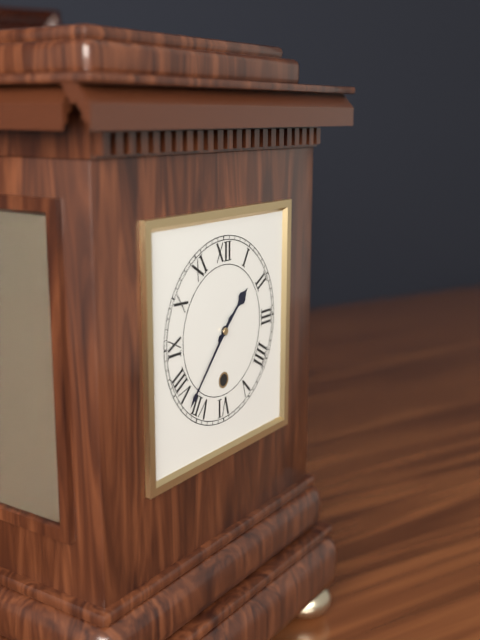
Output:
1,37
